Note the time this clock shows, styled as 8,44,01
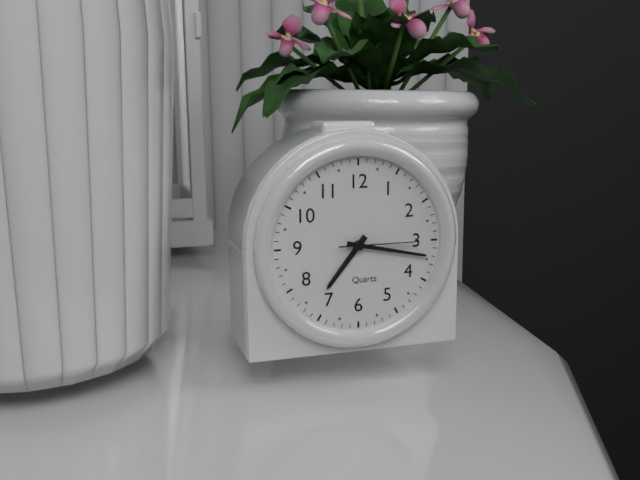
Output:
7,17,15
